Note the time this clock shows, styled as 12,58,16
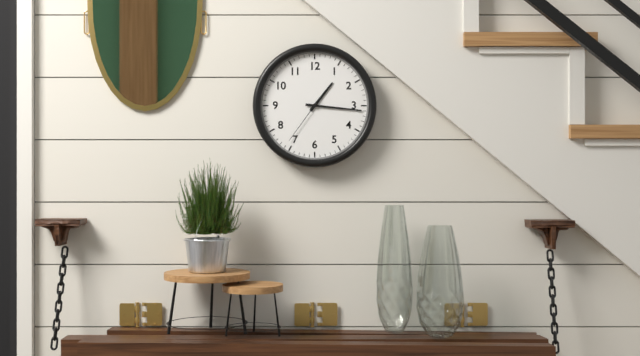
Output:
1,16,36
